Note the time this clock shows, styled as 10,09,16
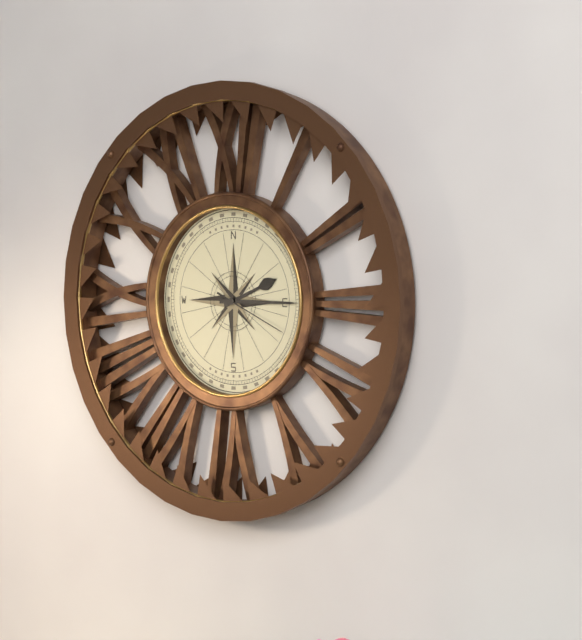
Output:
2,15,19
